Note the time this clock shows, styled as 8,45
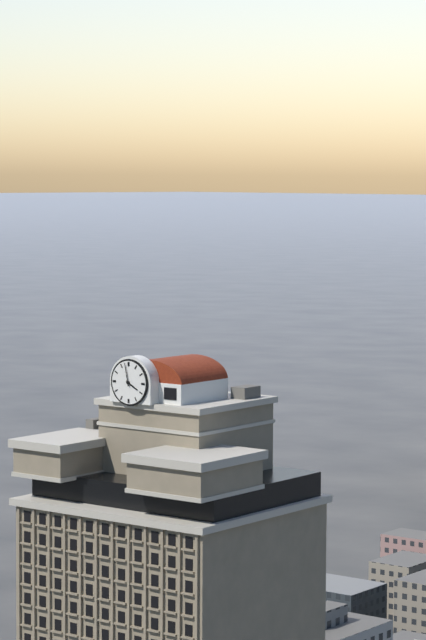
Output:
3,58
